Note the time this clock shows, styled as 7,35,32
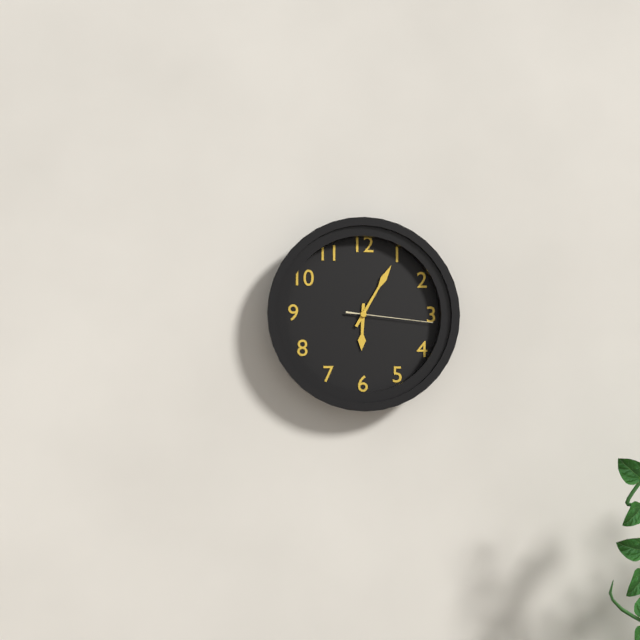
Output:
6,05,16
